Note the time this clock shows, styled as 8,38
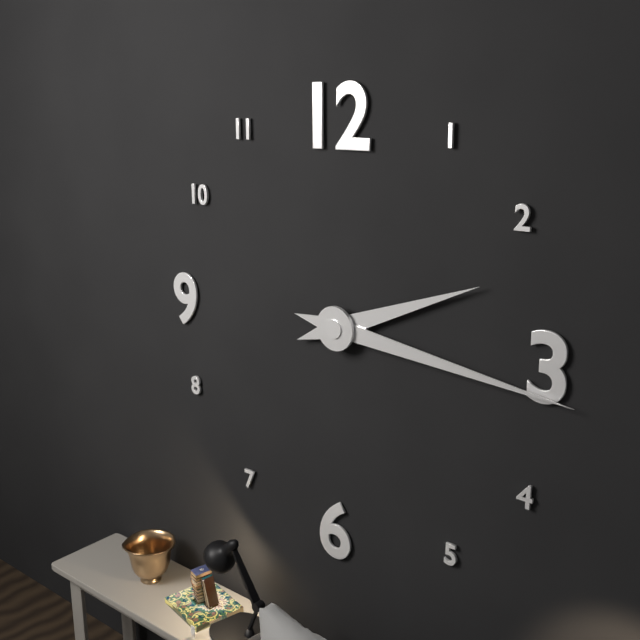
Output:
2,16
